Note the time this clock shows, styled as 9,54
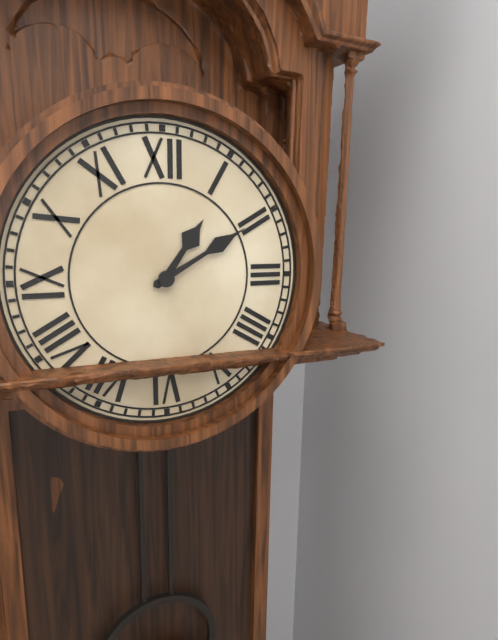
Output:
1,10
